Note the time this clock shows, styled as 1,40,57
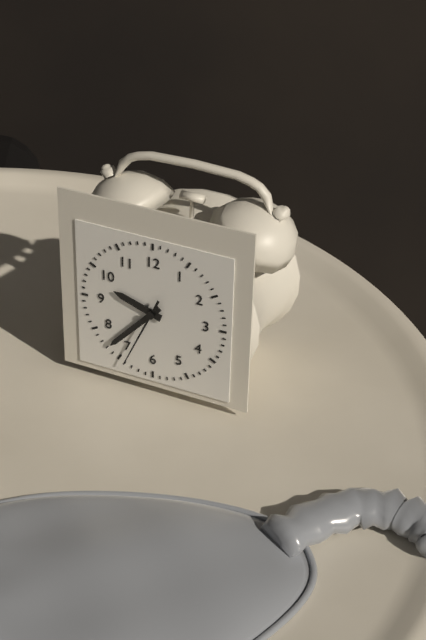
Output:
9,37,34
